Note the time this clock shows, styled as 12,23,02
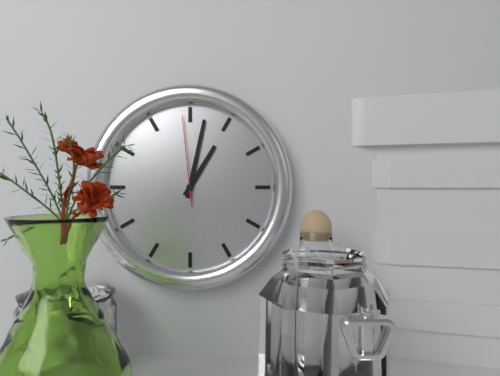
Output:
1,02,59
